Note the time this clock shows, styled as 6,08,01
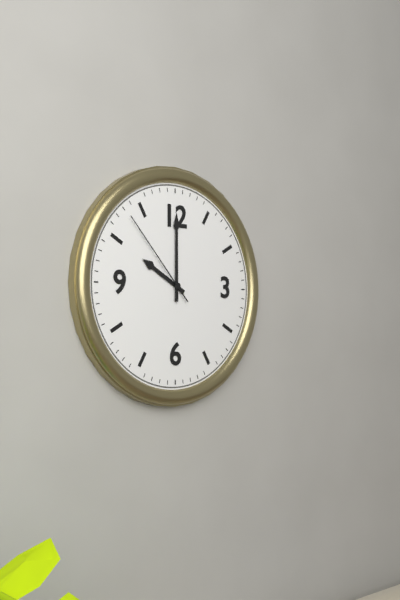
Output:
10,00,53
